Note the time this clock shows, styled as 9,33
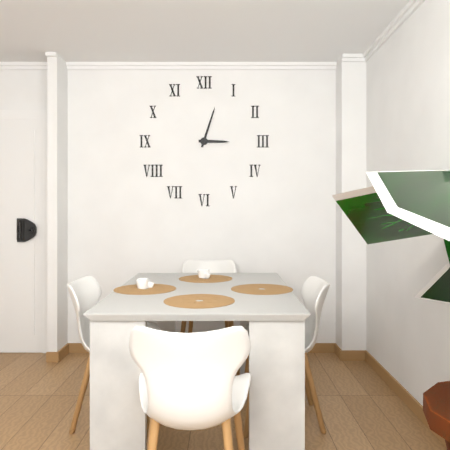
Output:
3,03
